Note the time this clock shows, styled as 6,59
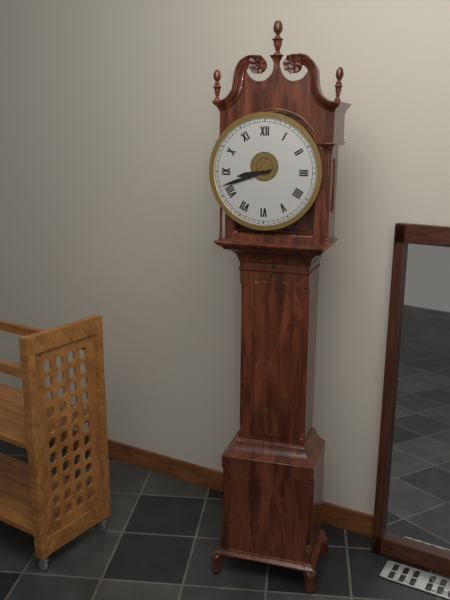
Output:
8,42
